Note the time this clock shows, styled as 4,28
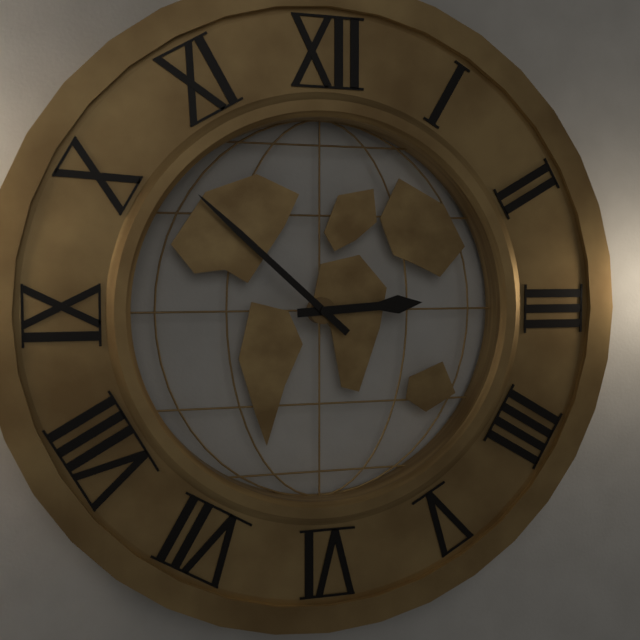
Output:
2,52
